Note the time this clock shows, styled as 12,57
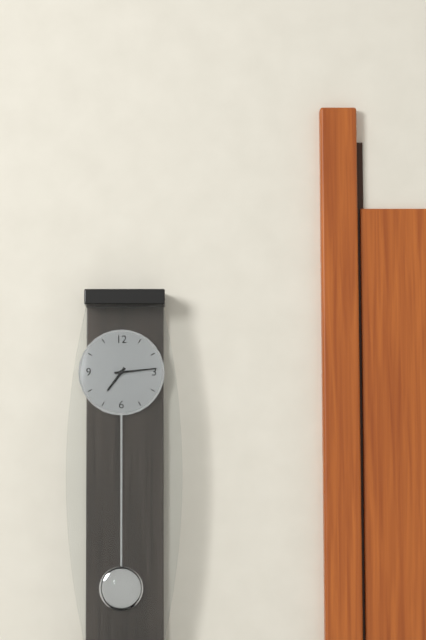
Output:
7,14
